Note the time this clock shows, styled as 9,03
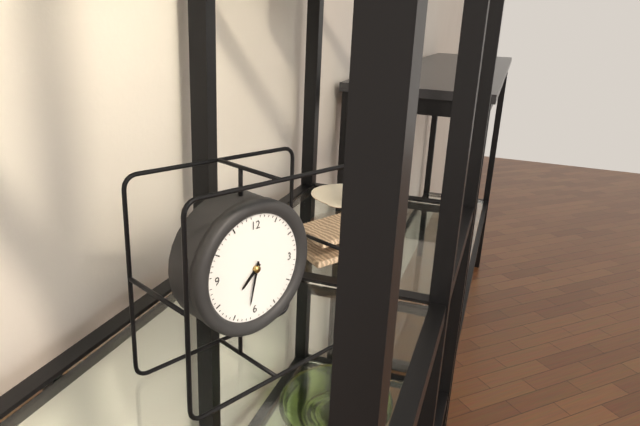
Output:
7,32
